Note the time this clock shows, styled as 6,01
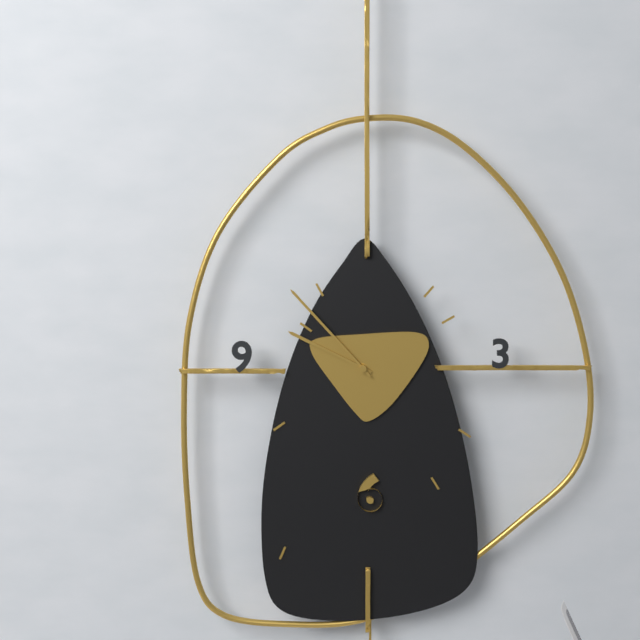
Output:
9,53
